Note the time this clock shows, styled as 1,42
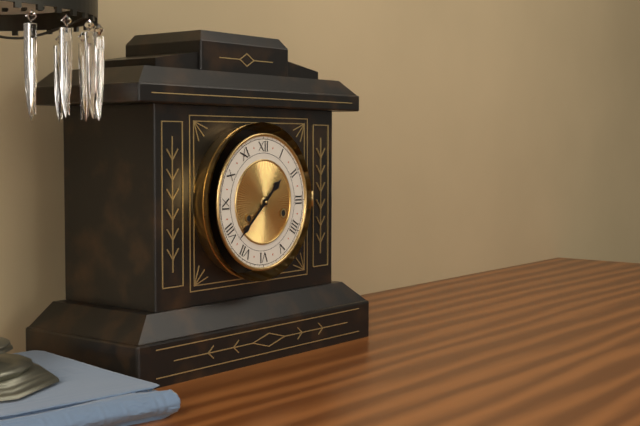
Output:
1,38
